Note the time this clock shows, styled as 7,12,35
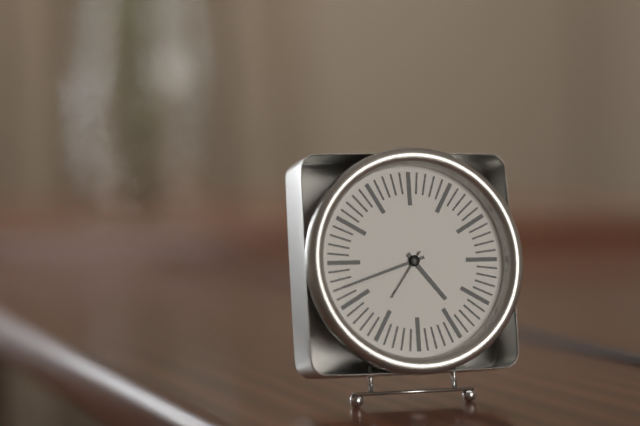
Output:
4,42,36
